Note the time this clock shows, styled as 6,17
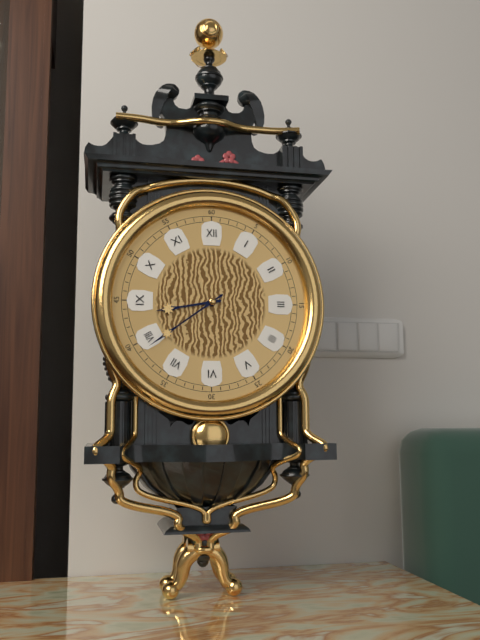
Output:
8,39
